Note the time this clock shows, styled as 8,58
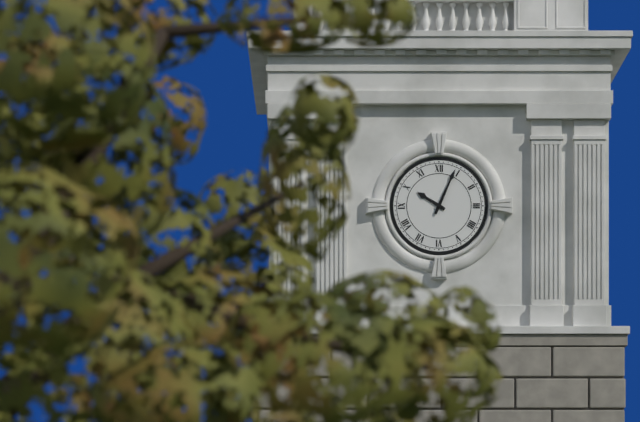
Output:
10,04
